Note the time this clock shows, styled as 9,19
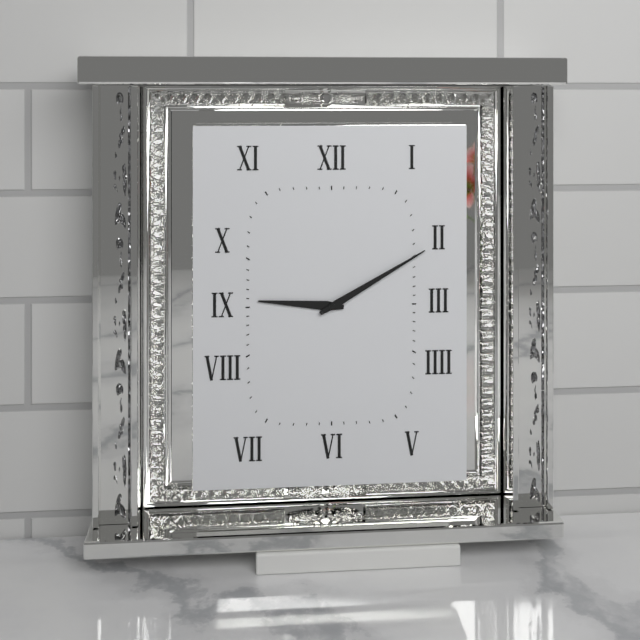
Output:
9,10
